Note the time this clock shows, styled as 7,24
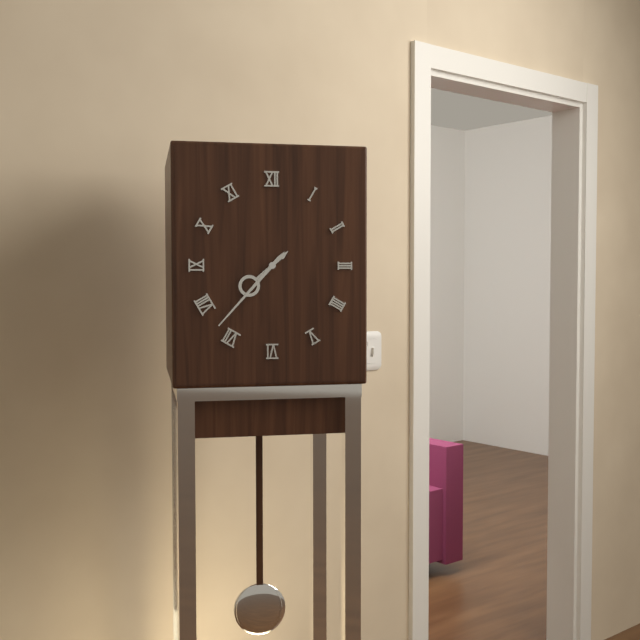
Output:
7,37
